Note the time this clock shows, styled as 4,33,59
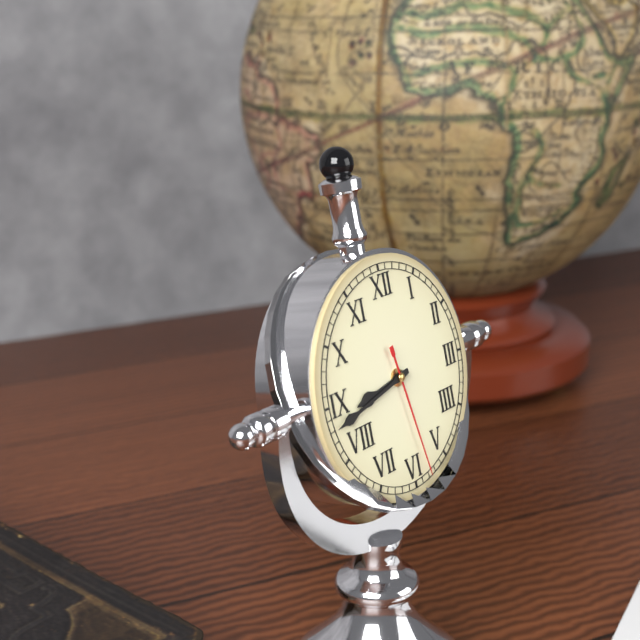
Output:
8,43,28
